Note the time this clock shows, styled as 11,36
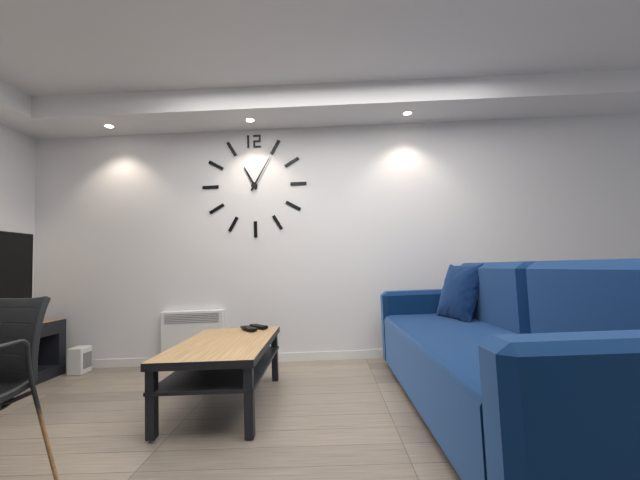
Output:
11,05
